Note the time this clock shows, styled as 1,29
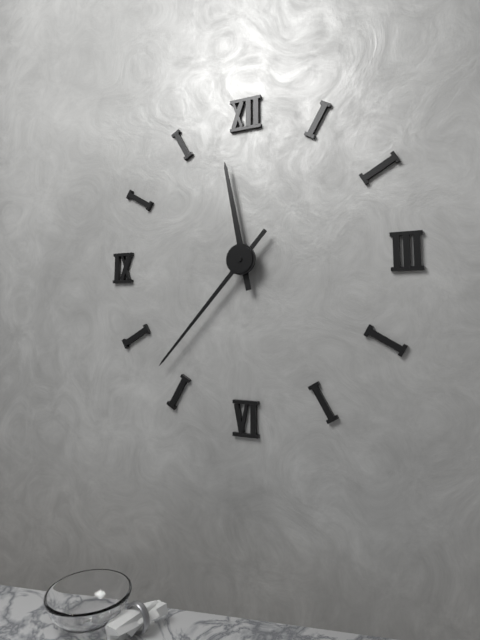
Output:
11,37
